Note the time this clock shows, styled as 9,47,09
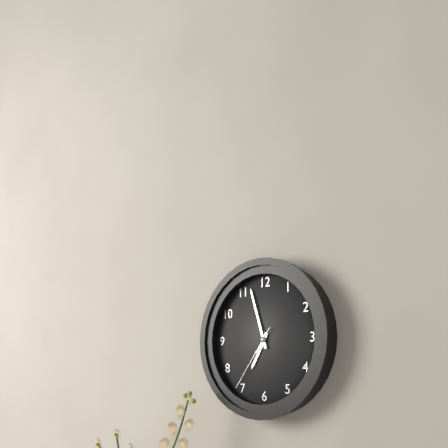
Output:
6,57,36
